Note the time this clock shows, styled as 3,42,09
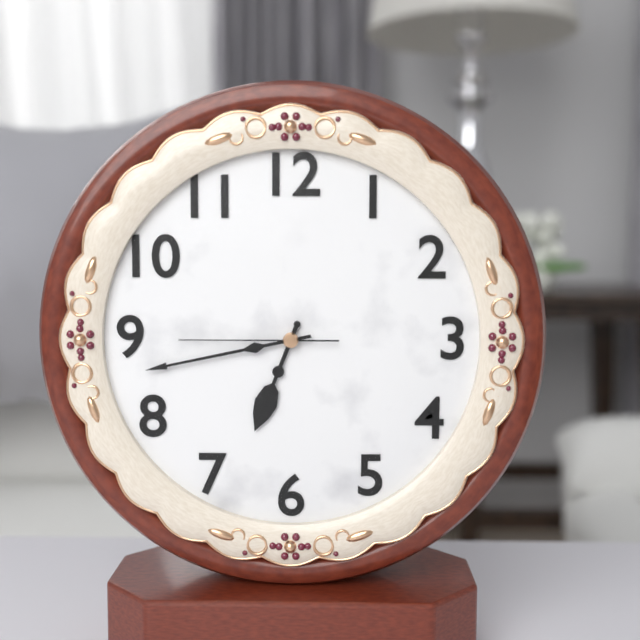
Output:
6,43,45
